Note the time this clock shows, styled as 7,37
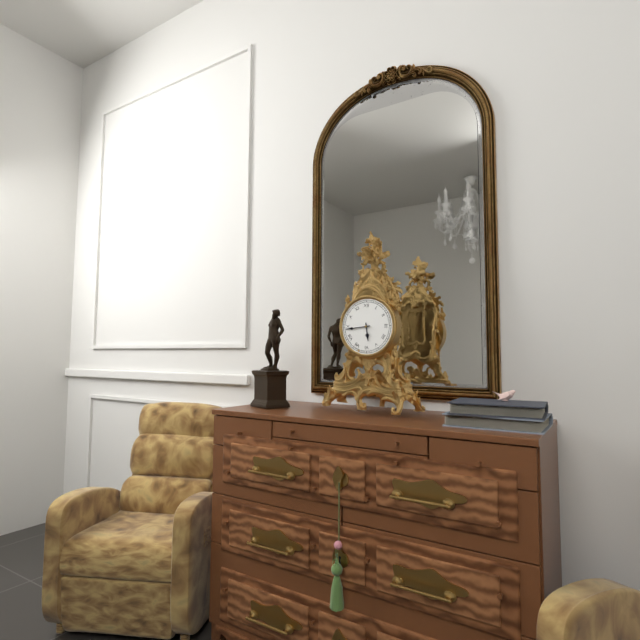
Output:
5,44
